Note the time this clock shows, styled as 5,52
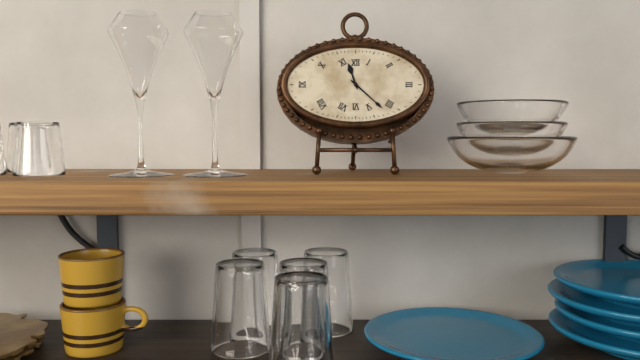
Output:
11,22
